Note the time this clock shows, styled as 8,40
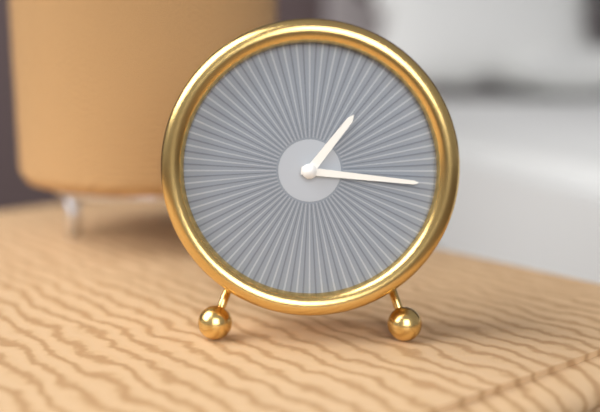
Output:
1,16
